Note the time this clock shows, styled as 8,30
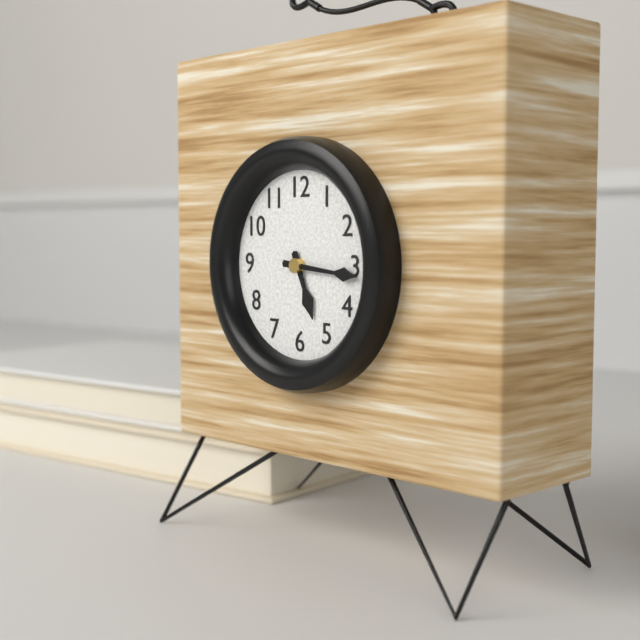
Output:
5,16
